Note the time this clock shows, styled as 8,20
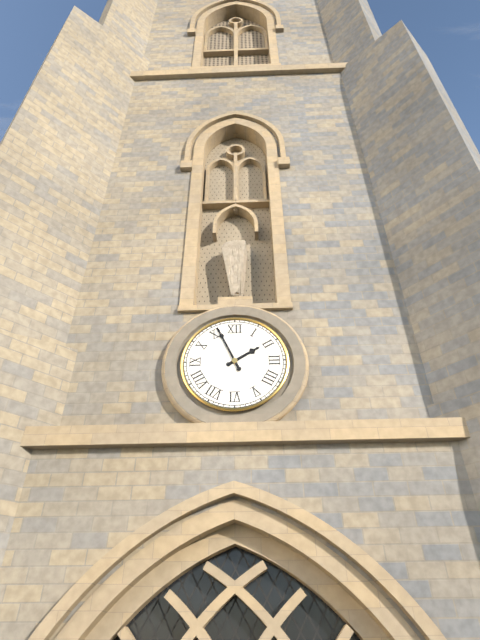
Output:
1,56
